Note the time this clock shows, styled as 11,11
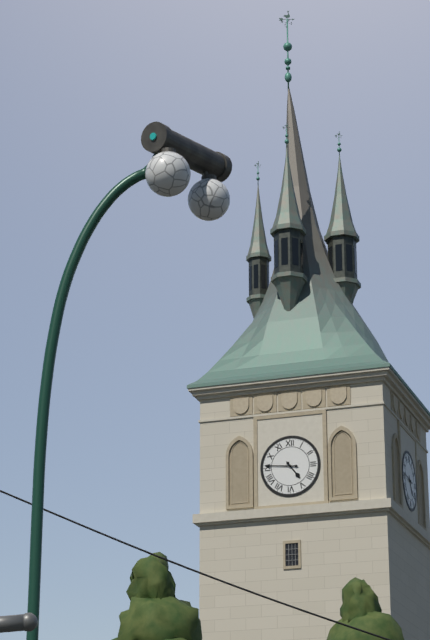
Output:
4,46
